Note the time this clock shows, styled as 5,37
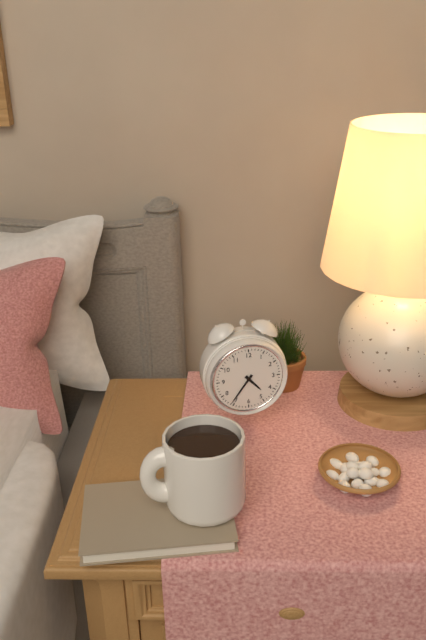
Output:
4,36
